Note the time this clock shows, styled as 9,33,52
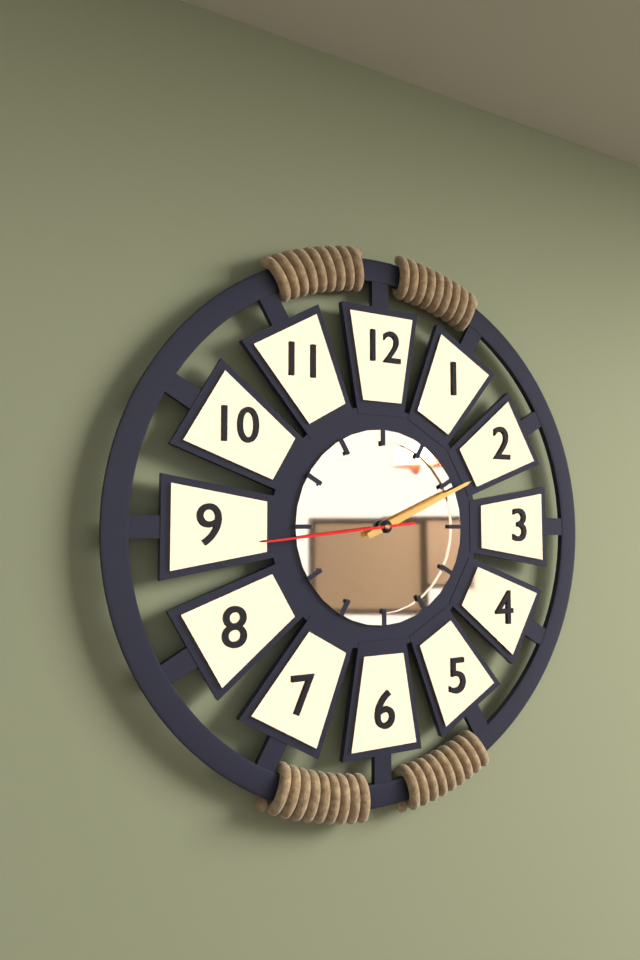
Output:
2,11,44
